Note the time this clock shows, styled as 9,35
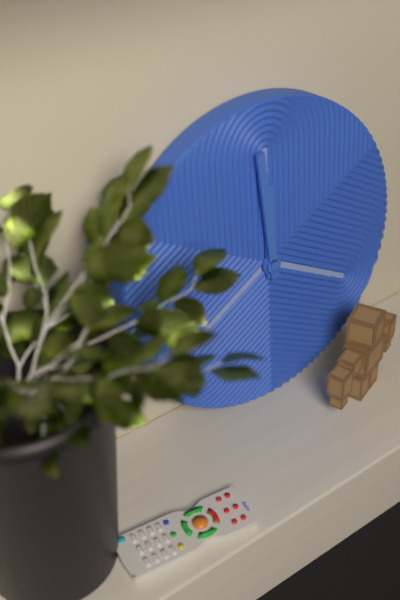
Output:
11,59
